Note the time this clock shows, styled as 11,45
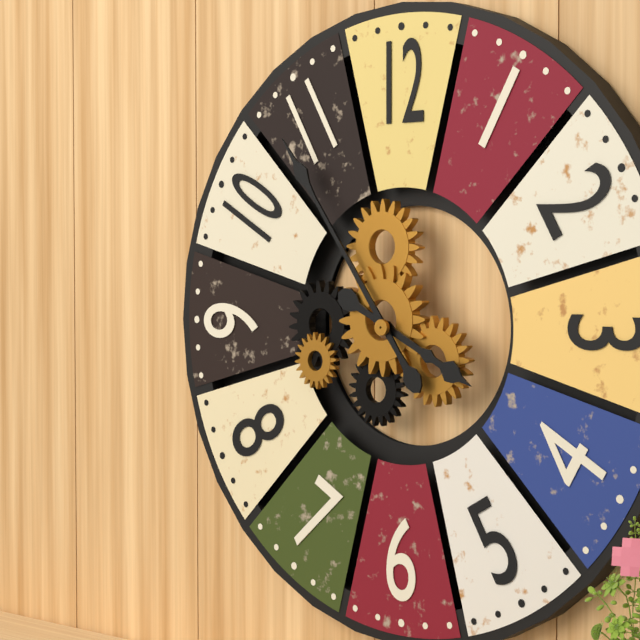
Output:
3,54
